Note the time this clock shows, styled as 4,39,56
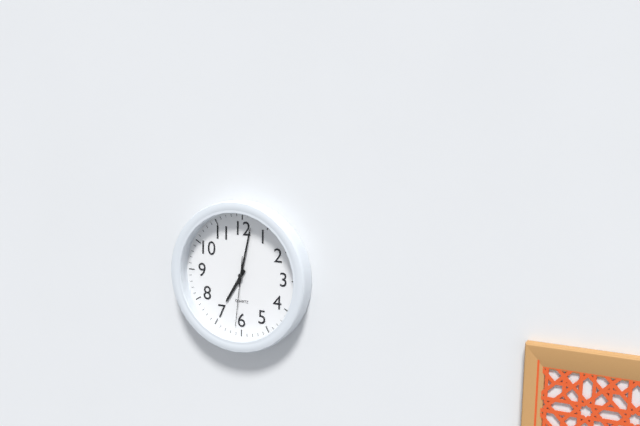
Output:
7,02,31
